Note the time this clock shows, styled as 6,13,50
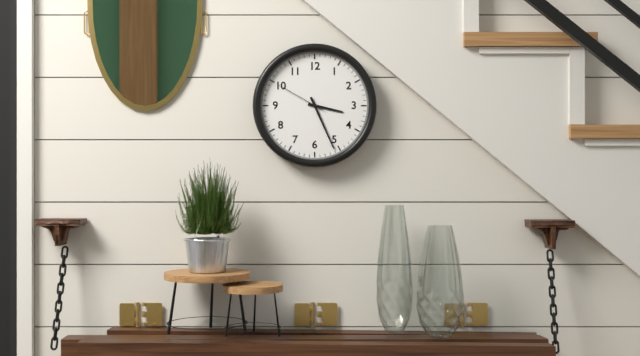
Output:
3,26,50
